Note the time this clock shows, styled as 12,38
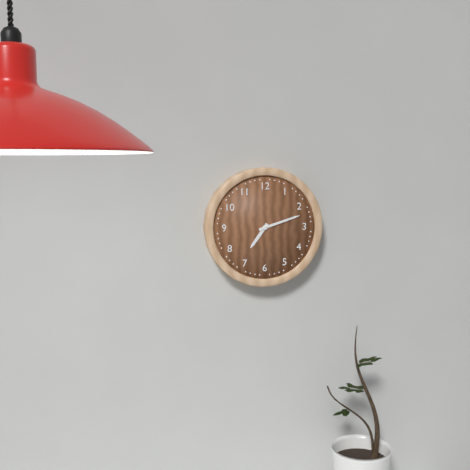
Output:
7,12
